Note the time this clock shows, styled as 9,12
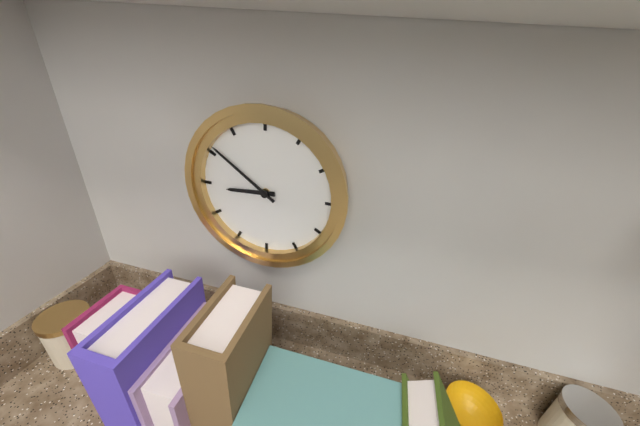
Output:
8,51
